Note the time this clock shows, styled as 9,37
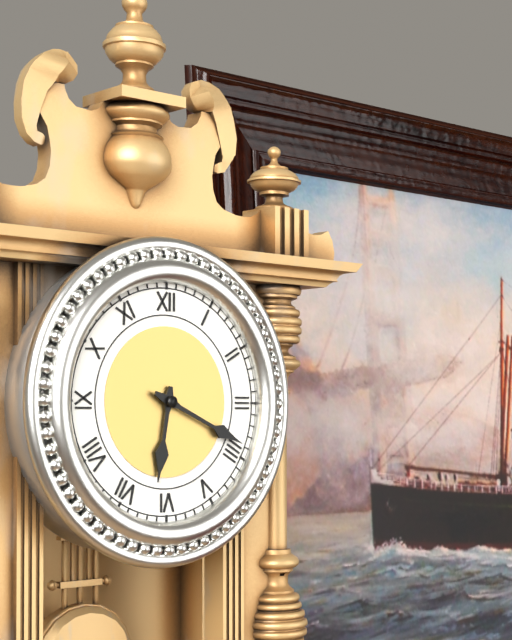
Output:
6,19
